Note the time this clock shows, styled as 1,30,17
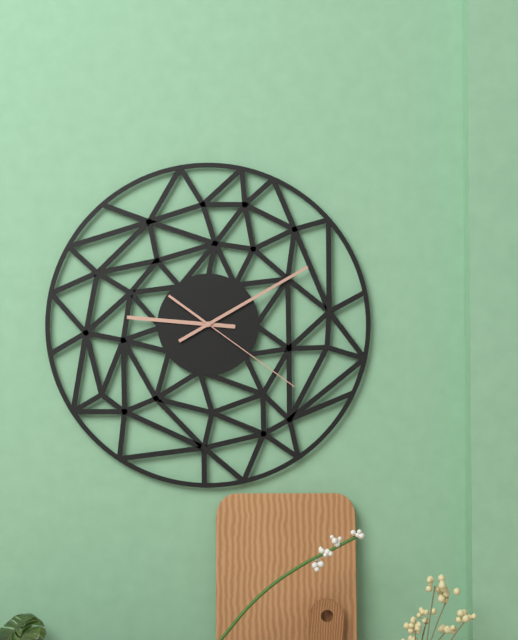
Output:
9,10,21
